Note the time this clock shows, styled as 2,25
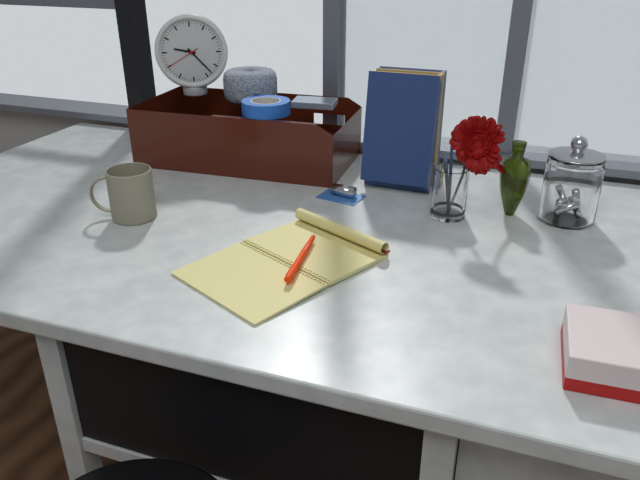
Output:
9,23
